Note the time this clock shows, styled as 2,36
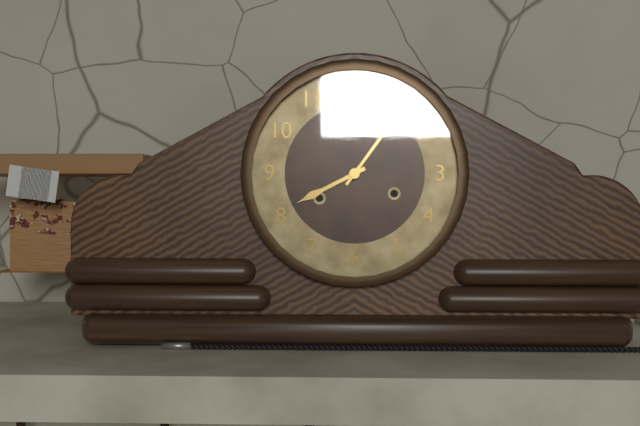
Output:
8,06
